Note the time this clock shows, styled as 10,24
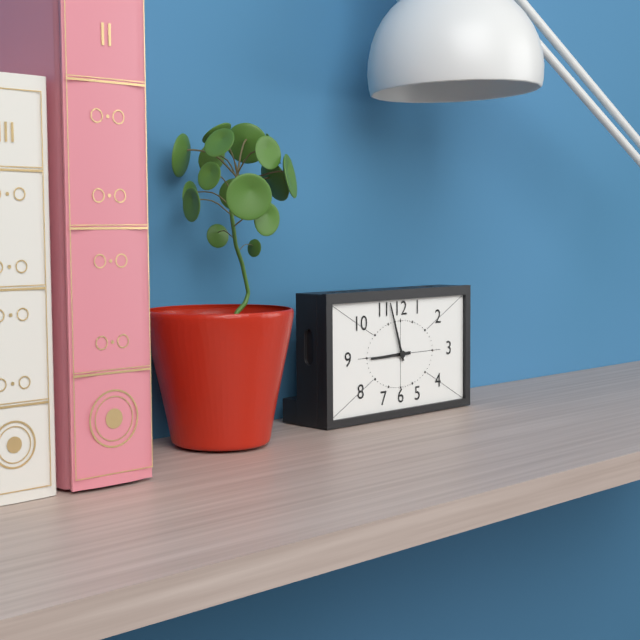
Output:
8,57
